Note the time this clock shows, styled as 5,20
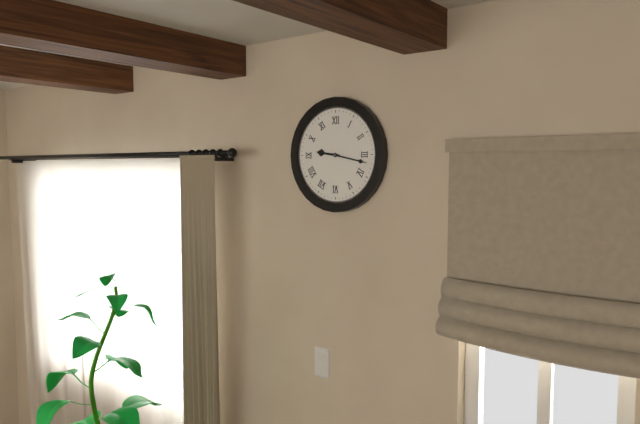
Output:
9,17
